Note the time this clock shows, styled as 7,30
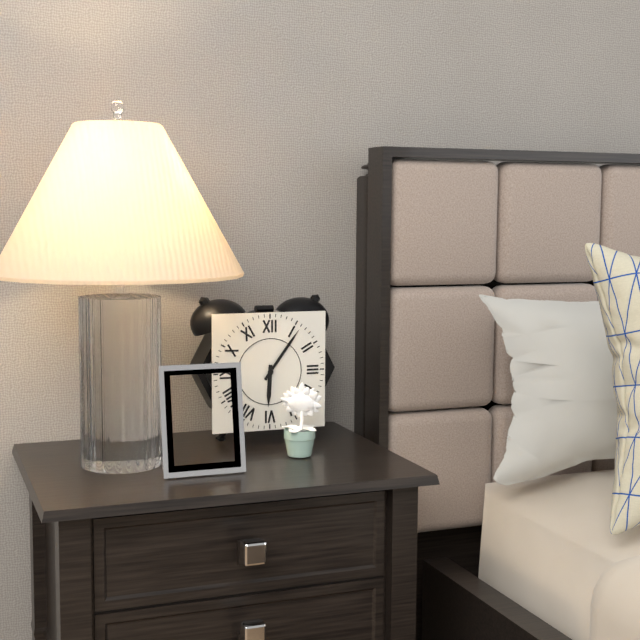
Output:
6,06
